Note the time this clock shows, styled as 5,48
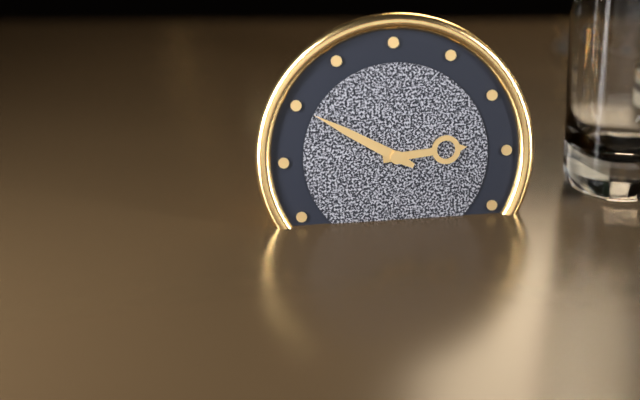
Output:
2,50
